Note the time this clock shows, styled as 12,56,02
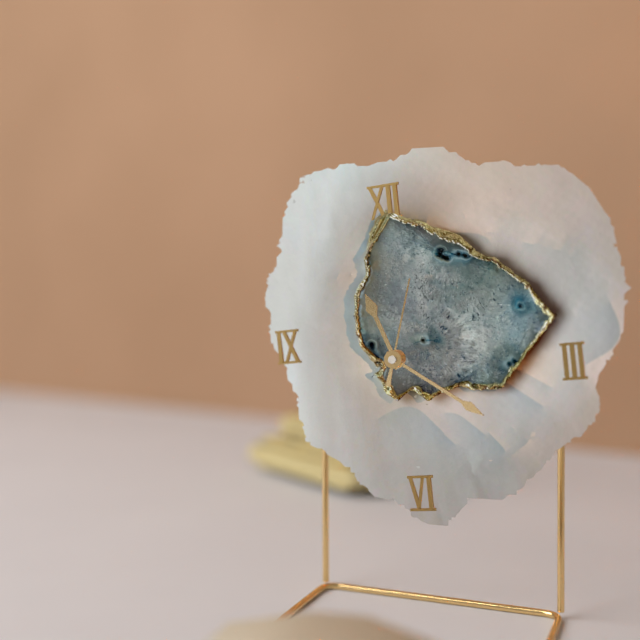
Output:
11,21,03
